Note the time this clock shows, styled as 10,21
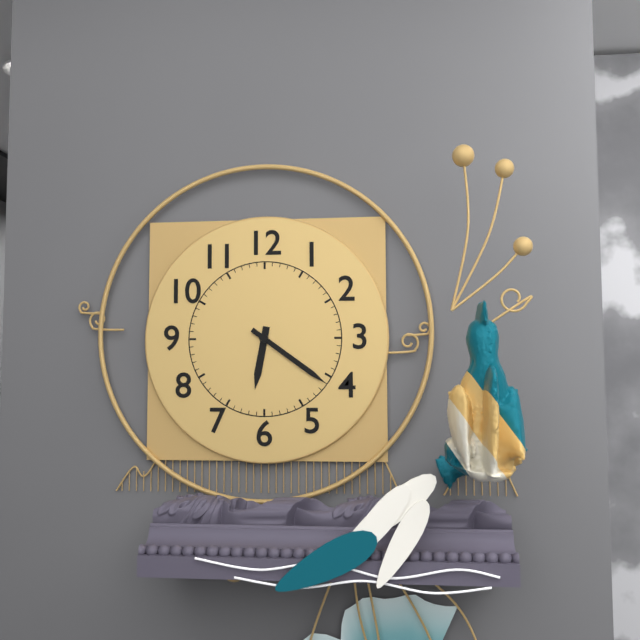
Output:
6,21
